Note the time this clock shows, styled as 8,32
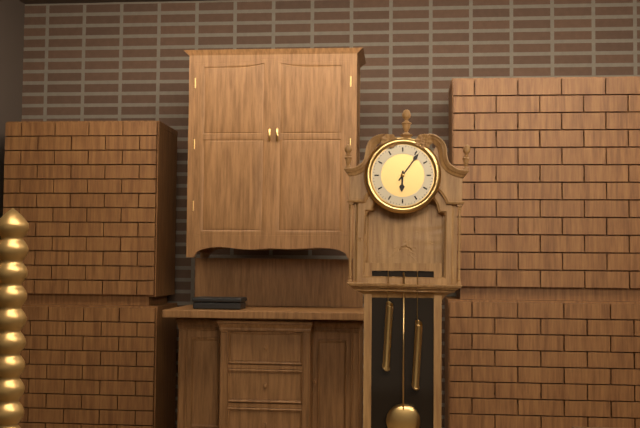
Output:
6,06
